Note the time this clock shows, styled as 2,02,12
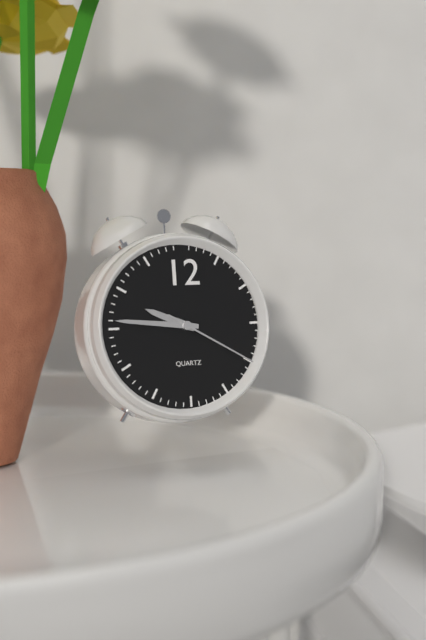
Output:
9,46,20
